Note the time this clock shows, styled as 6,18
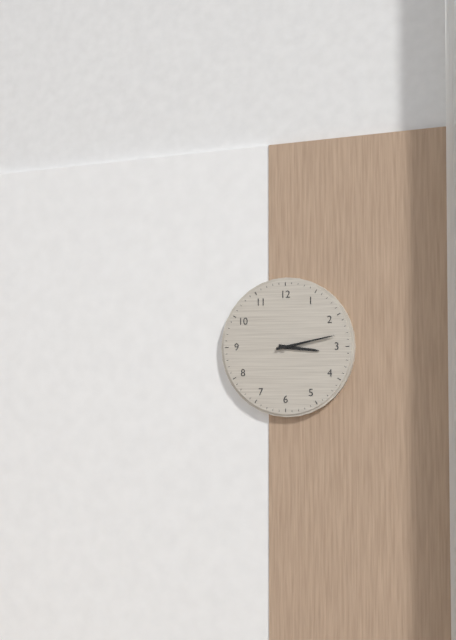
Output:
3,13
